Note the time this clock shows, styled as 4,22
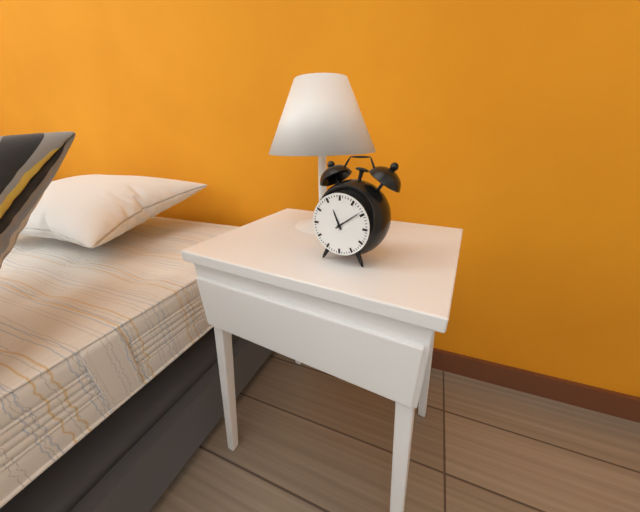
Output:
11,09
